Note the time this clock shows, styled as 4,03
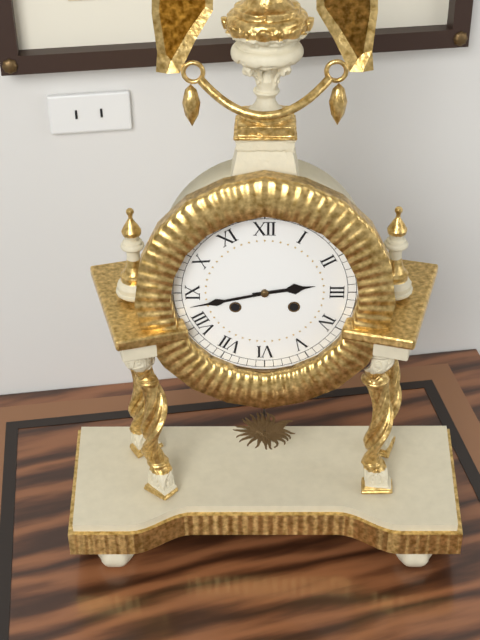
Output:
2,43
